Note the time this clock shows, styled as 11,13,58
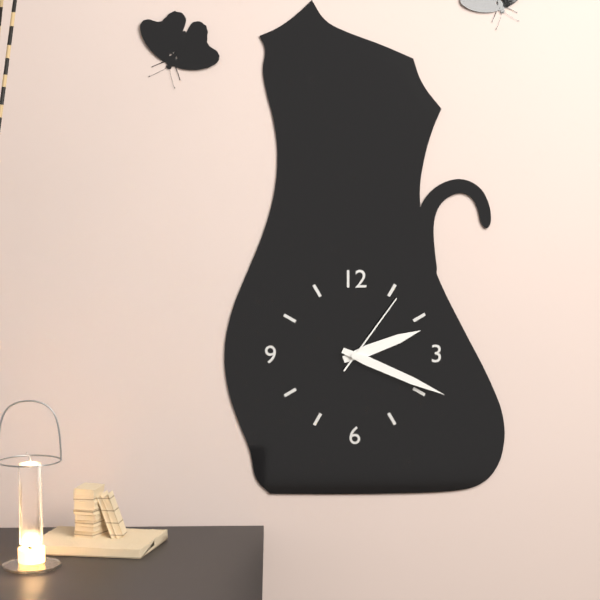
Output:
2,19,06
